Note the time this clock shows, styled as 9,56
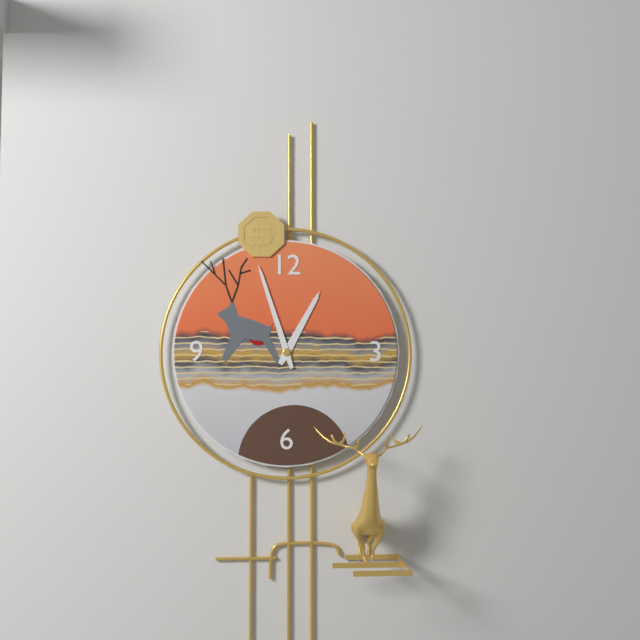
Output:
12,57
